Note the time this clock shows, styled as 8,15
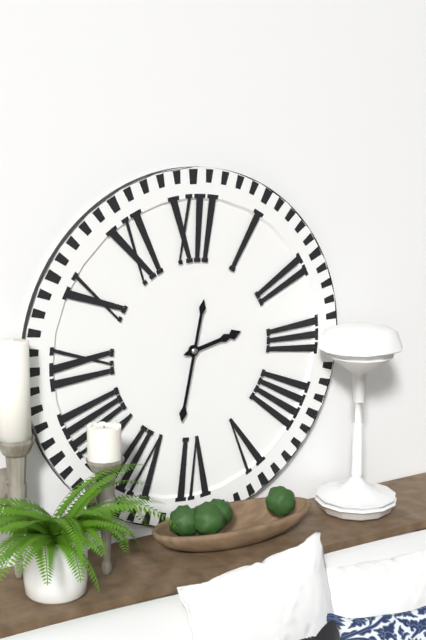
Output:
2,32
